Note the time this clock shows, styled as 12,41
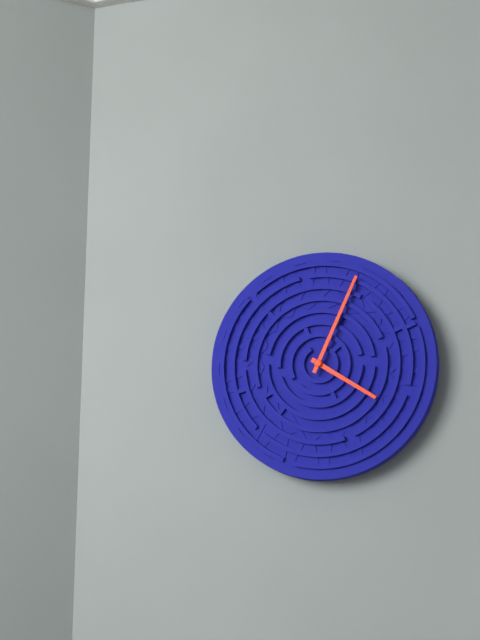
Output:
4,04
